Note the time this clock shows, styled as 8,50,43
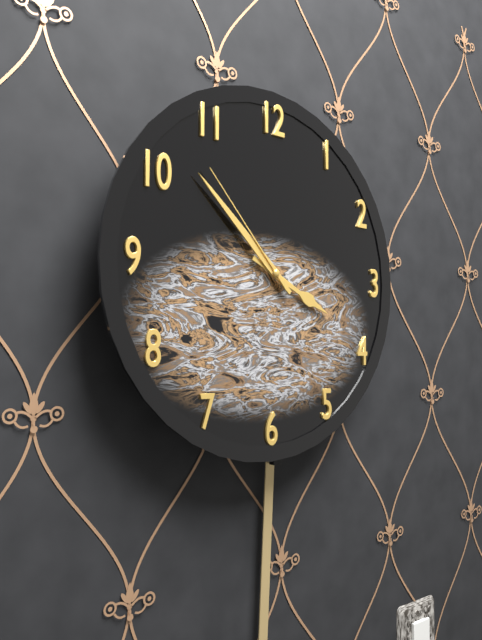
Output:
3,52,53
